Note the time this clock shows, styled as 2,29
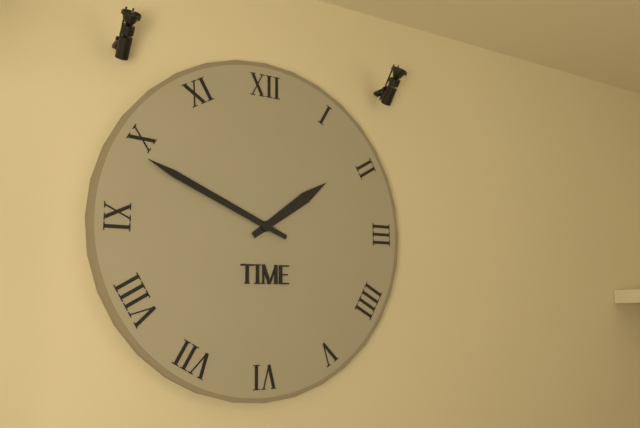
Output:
1,49
